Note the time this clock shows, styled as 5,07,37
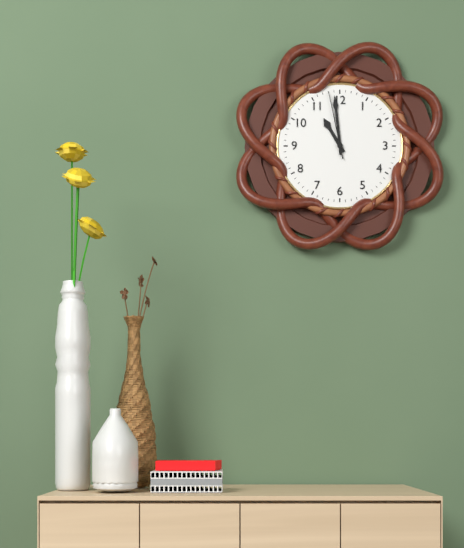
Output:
10,59,58
